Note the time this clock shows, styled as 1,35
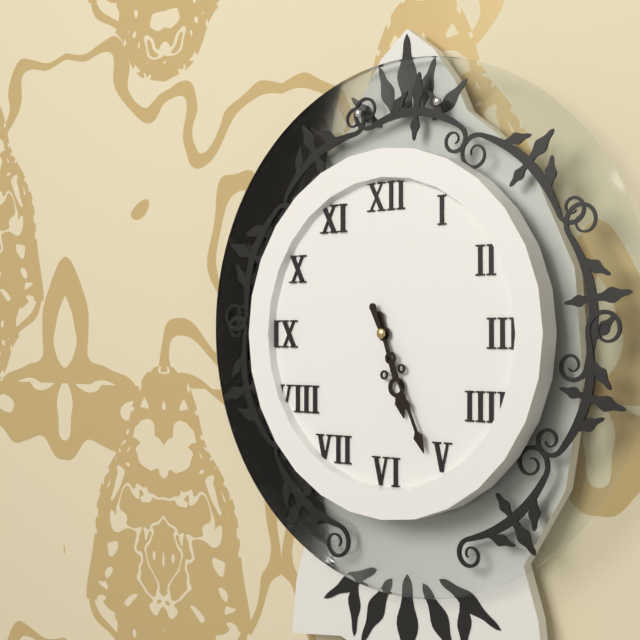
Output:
5,26
